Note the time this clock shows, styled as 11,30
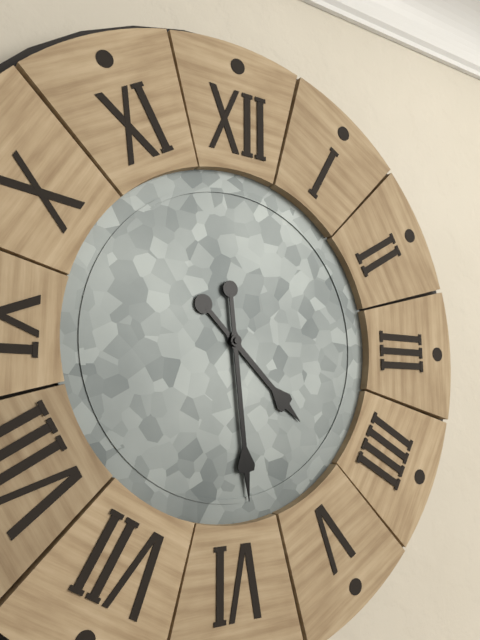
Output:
4,29
